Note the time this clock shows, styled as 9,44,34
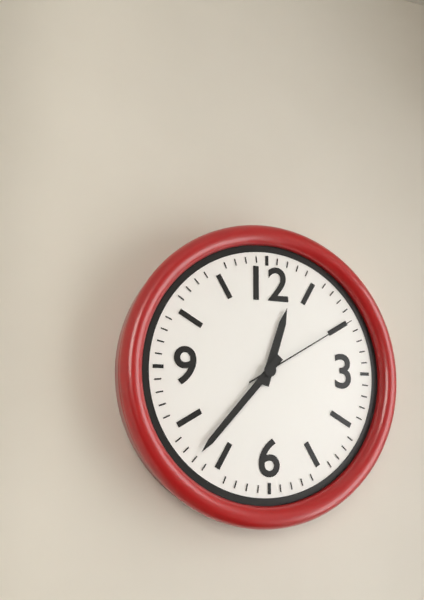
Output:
12,37,10
